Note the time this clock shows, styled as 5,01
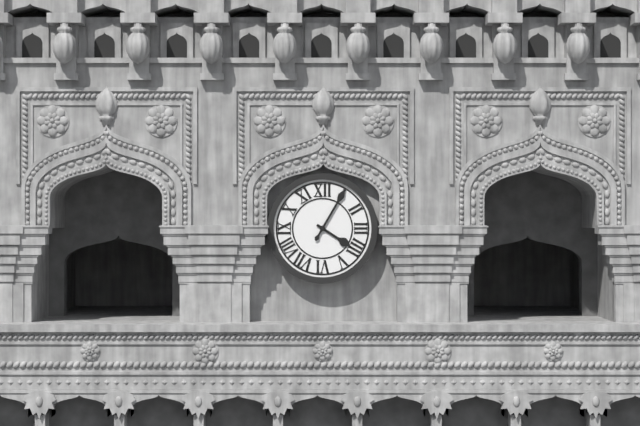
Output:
4,05
